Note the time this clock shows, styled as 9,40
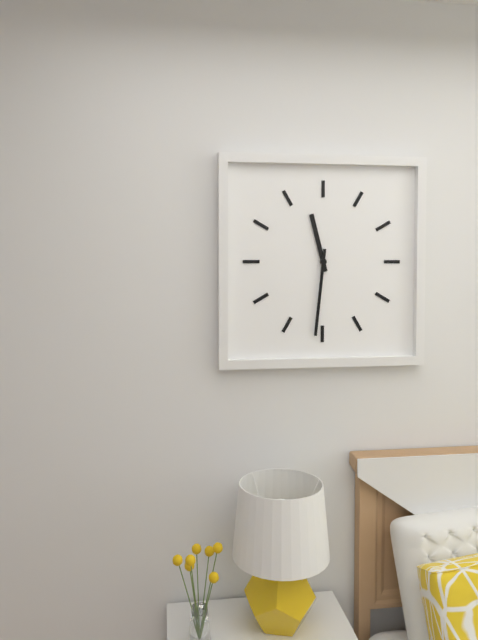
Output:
11,31
